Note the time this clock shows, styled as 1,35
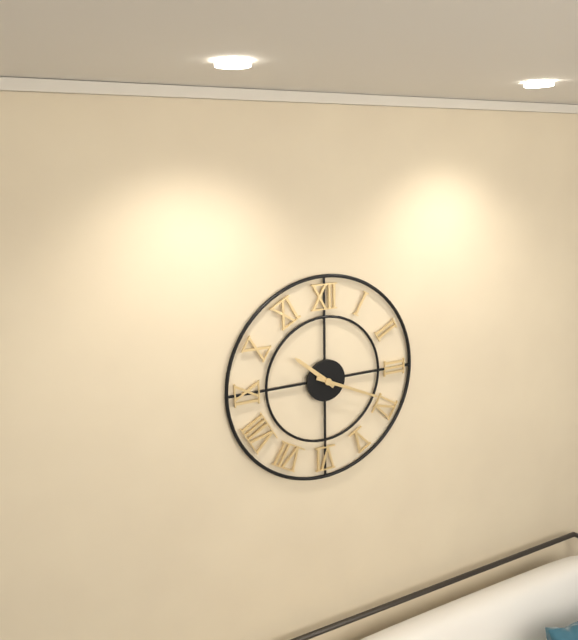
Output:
10,19
